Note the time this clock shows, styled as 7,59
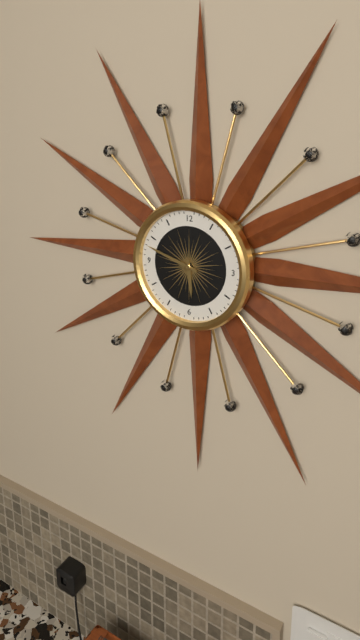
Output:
5,48
